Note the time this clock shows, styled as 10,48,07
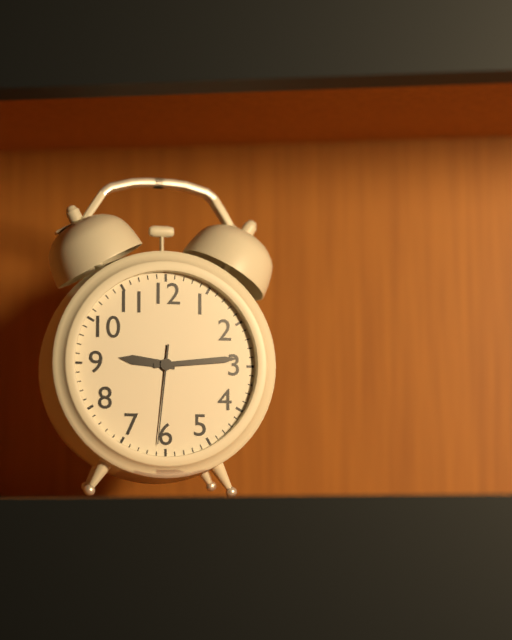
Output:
9,14,31
